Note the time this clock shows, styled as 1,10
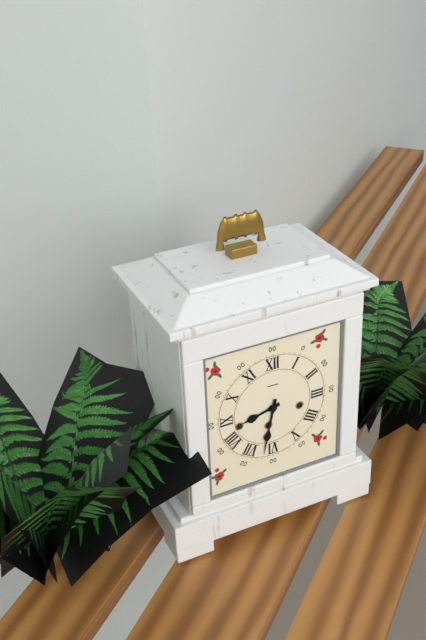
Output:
8,32
